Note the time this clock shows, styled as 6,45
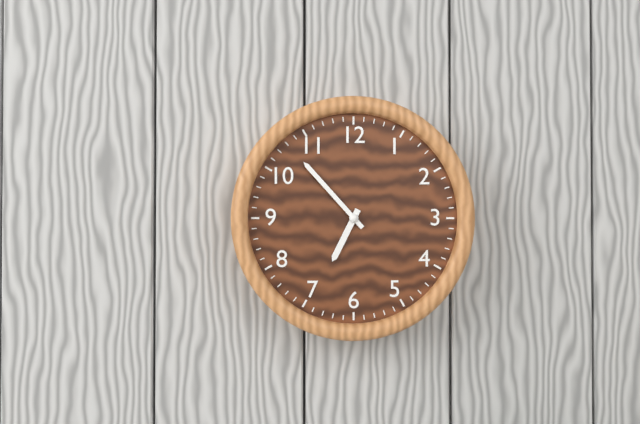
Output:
6,53
